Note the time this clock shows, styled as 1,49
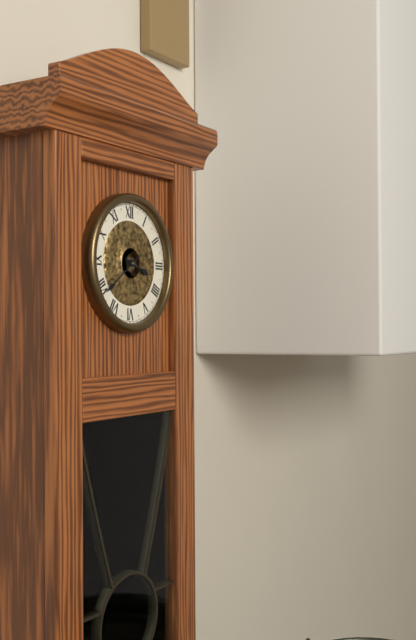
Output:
3,39
